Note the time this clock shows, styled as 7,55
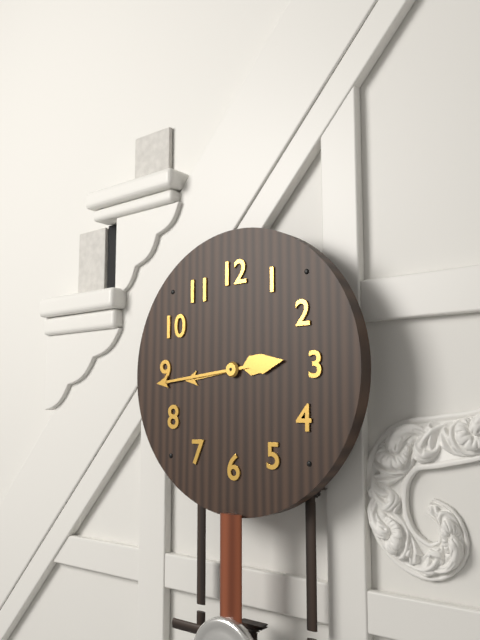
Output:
8,44
